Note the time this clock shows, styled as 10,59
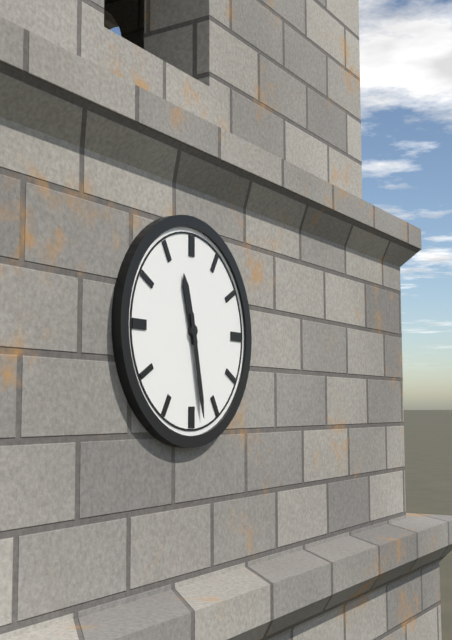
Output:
11,28
